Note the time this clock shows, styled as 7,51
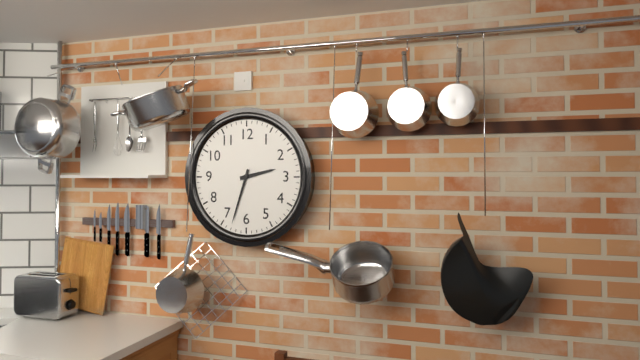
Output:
2,33
